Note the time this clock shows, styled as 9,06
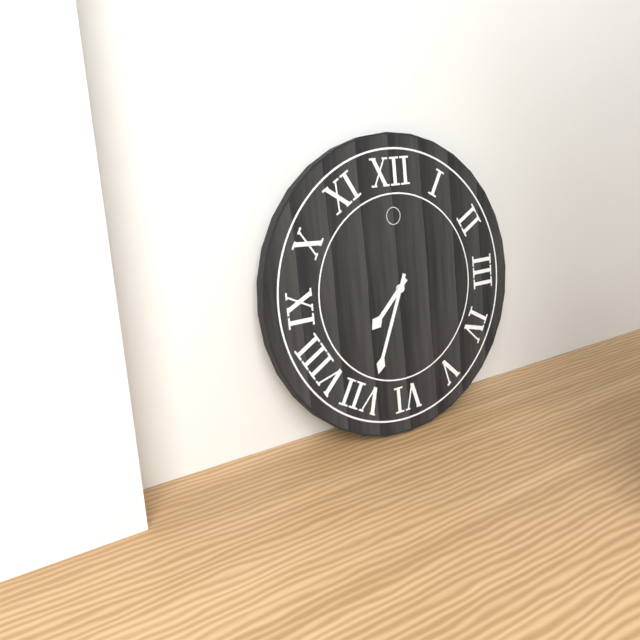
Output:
7,34
